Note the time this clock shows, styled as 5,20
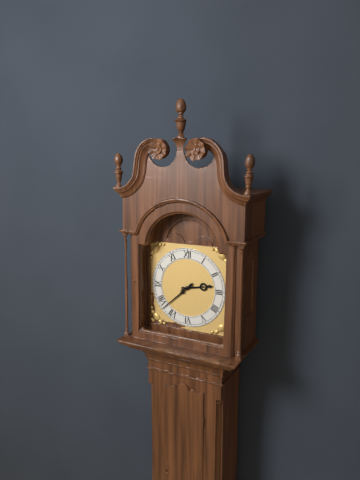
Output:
2,38
